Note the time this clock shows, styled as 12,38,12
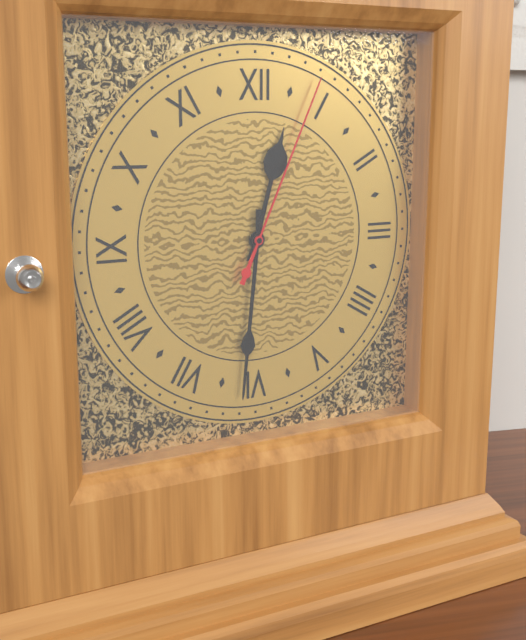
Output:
12,31,04
